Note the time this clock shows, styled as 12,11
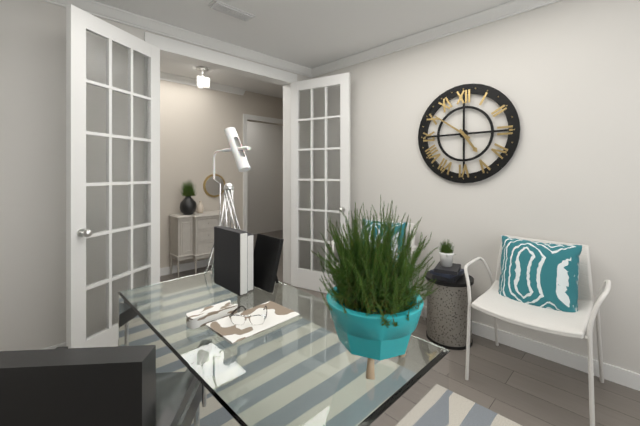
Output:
4,51
